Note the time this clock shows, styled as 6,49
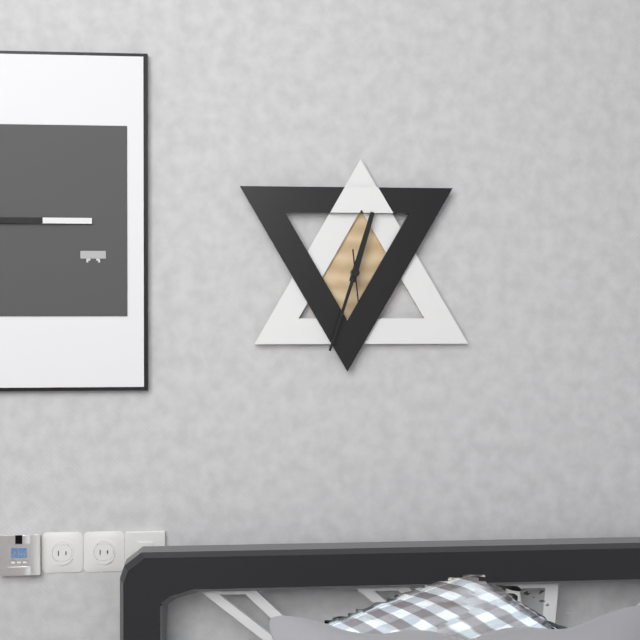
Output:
12,33
